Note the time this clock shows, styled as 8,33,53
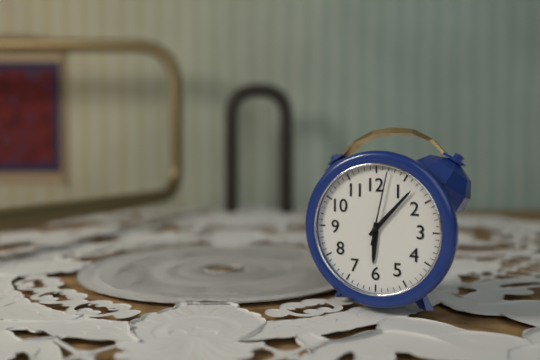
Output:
6,07,02
